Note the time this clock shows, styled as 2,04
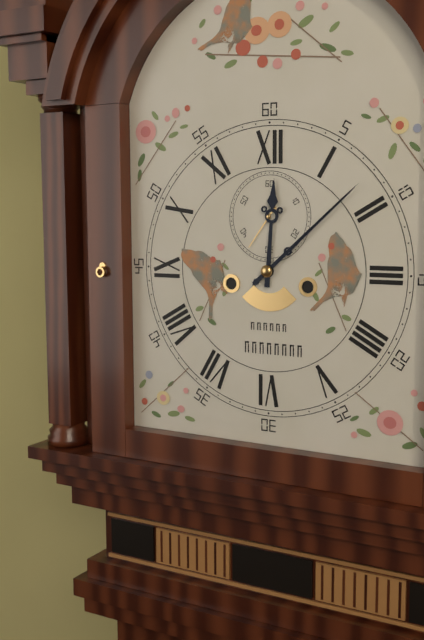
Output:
12,08
